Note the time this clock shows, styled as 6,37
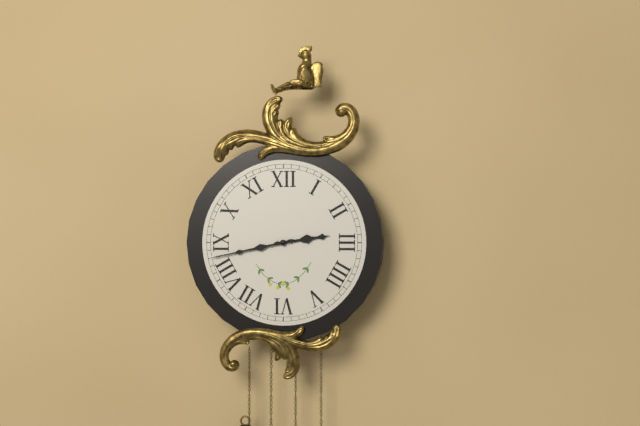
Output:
2,43
